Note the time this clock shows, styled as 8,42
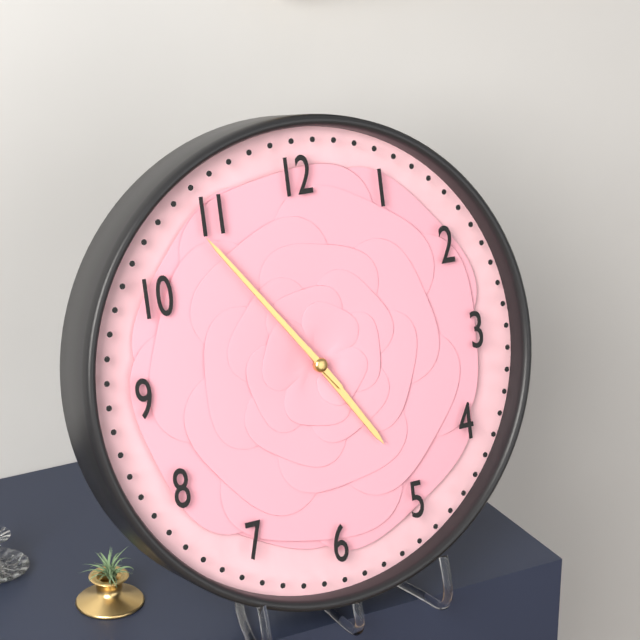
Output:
4,54
